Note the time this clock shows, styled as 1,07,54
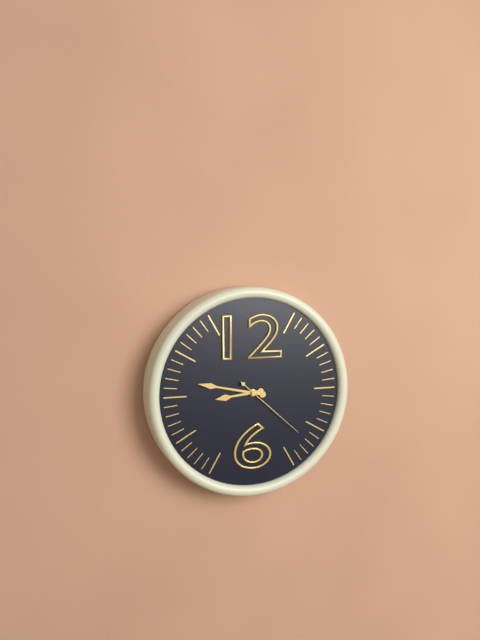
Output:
8,47,22
